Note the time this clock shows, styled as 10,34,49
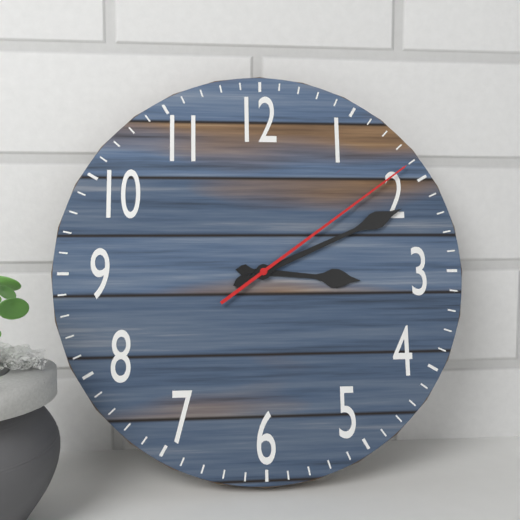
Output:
3,11,09
